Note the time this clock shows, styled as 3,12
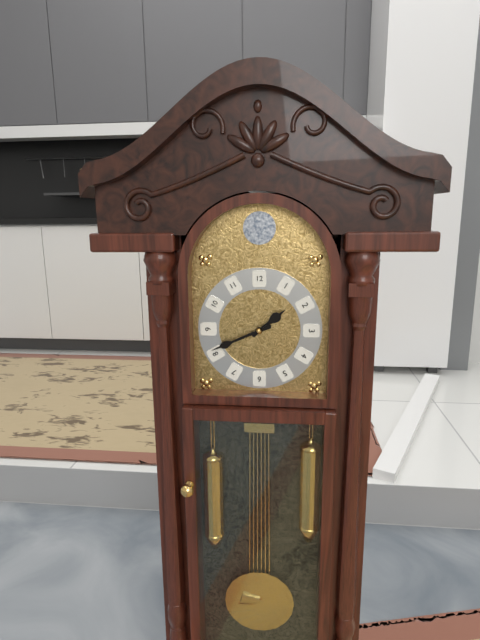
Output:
1,41
